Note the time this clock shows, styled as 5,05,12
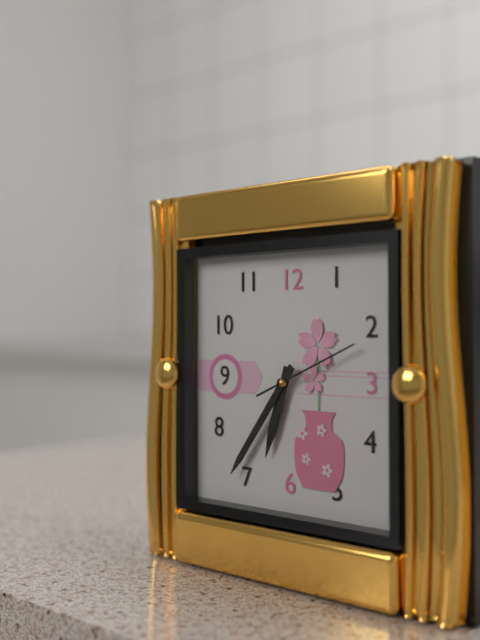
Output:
6,36,11
